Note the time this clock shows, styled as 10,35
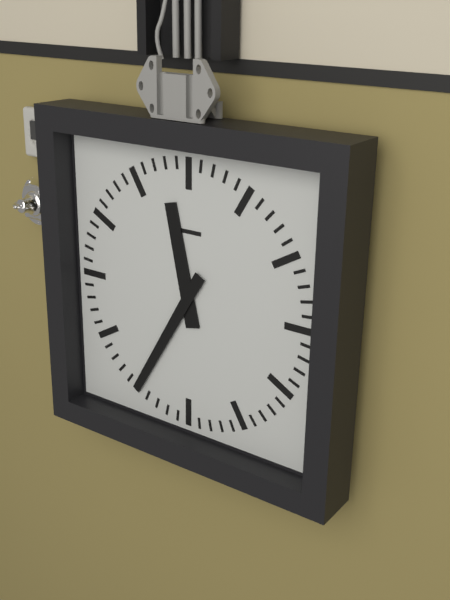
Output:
11,35
